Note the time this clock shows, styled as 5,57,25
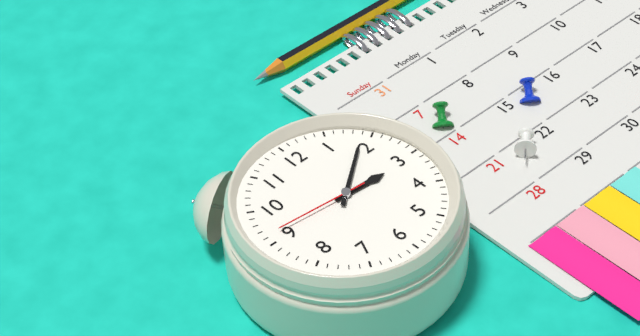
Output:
3,09,46
